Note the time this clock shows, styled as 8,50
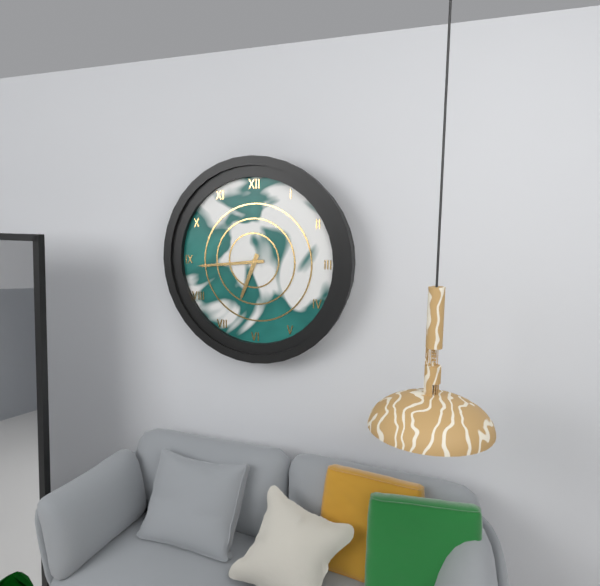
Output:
6,44
